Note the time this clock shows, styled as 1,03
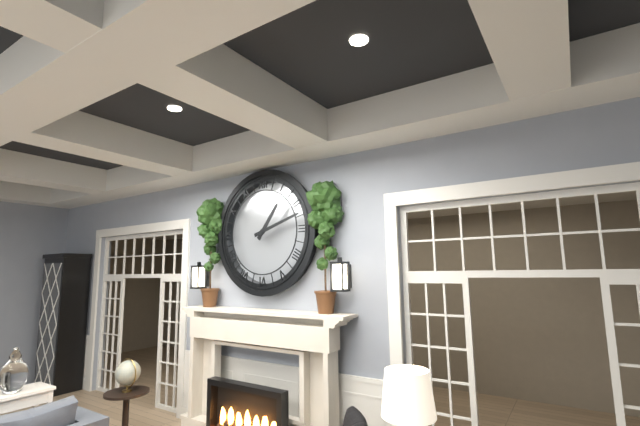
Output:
1,12
